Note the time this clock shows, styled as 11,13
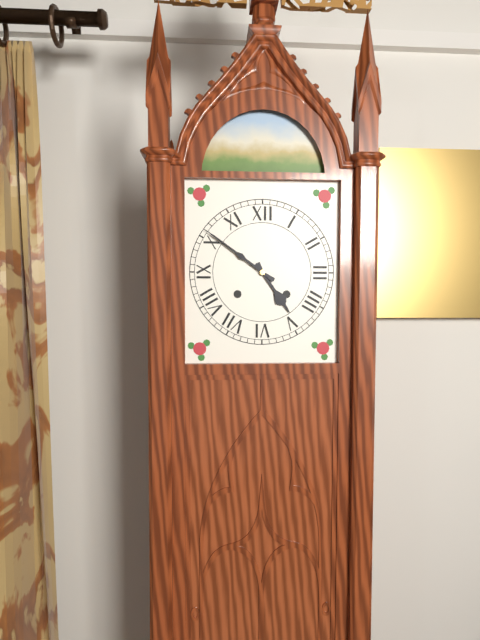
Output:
4,51
